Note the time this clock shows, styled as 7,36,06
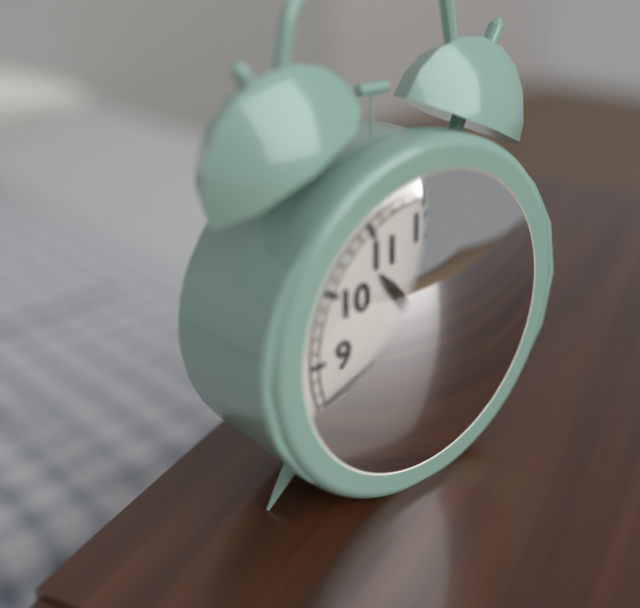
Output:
10,42,09
